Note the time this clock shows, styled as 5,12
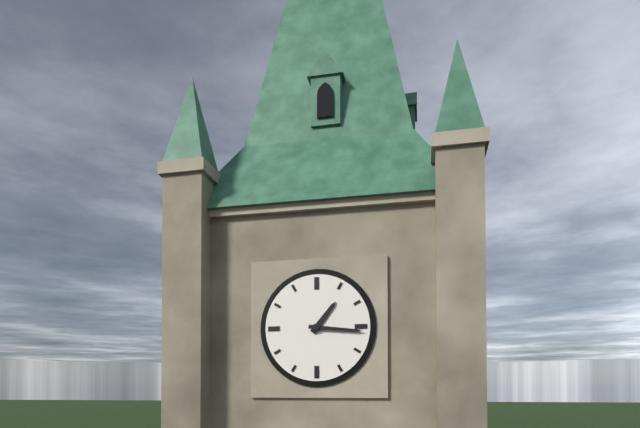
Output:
1,16
